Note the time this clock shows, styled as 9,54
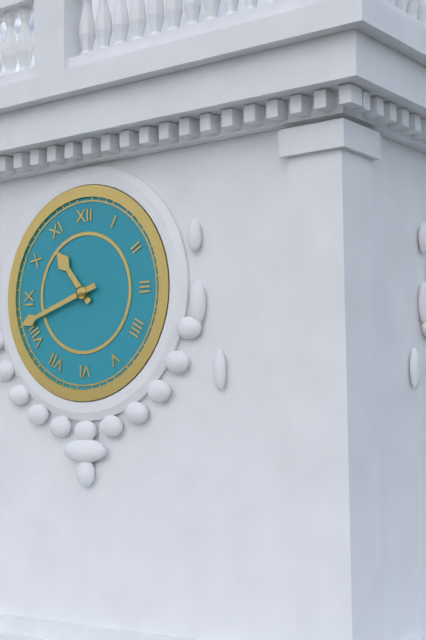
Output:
10,42
